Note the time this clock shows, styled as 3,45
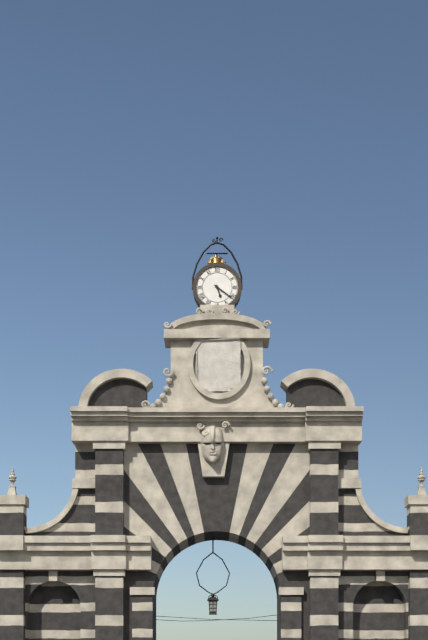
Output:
5,21
